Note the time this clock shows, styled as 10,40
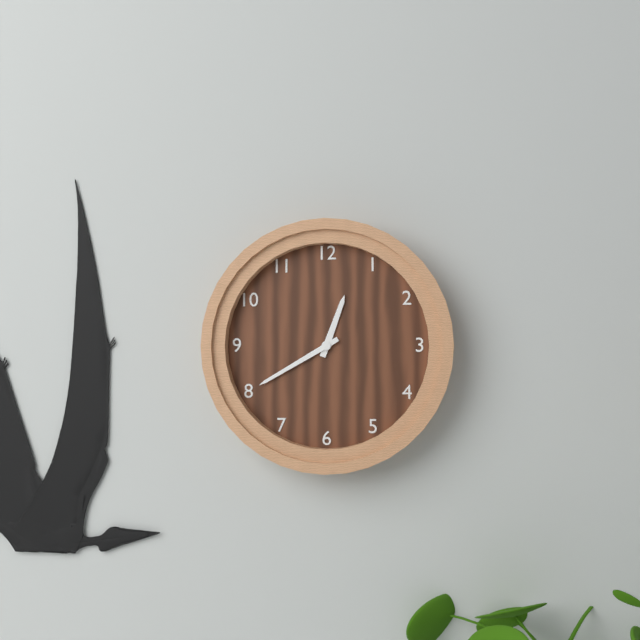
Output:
12,40
